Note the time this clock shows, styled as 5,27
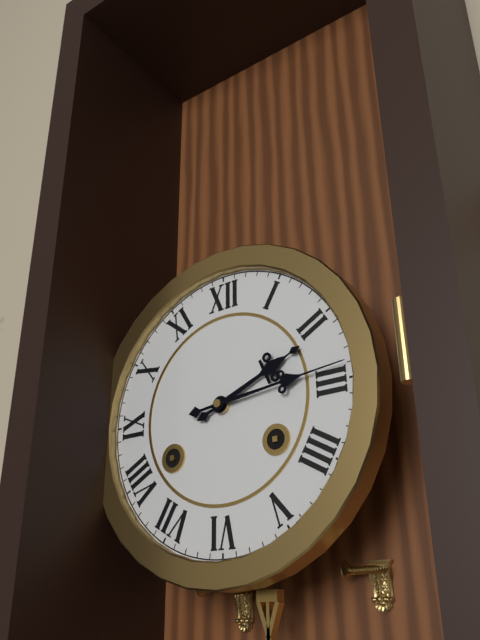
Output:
2,14
